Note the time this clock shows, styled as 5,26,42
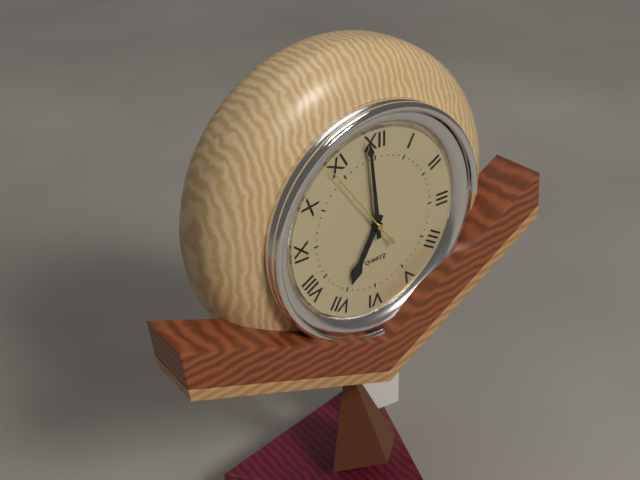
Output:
6,59,54
